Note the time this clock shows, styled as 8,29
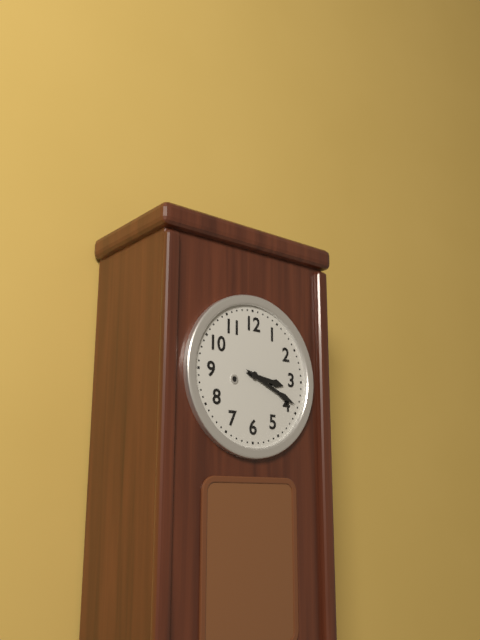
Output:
3,19
